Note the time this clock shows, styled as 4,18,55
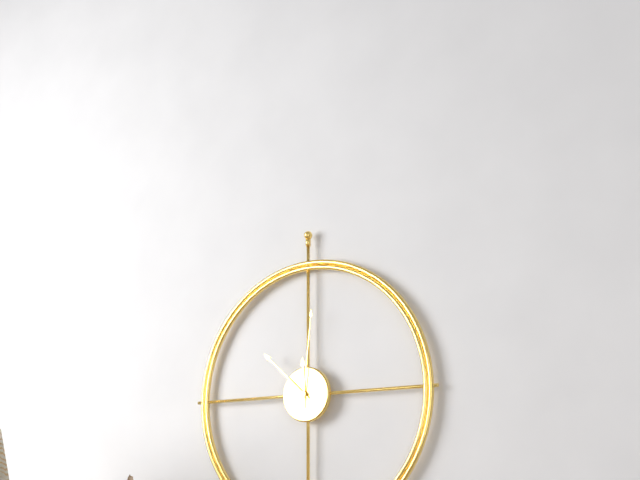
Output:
11,52,01
